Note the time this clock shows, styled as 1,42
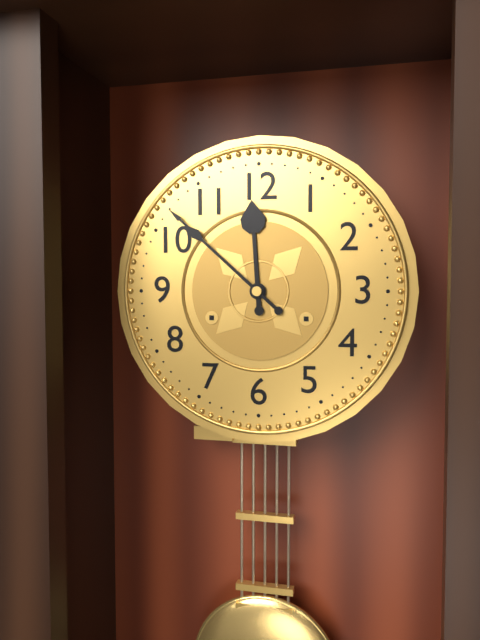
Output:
11,52
